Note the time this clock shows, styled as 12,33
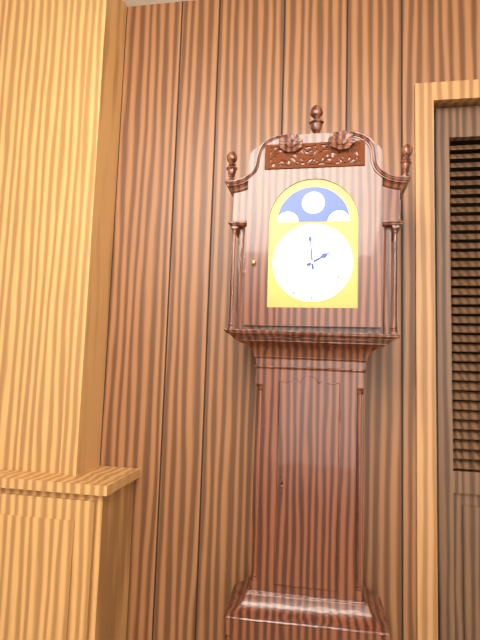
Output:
1,59
